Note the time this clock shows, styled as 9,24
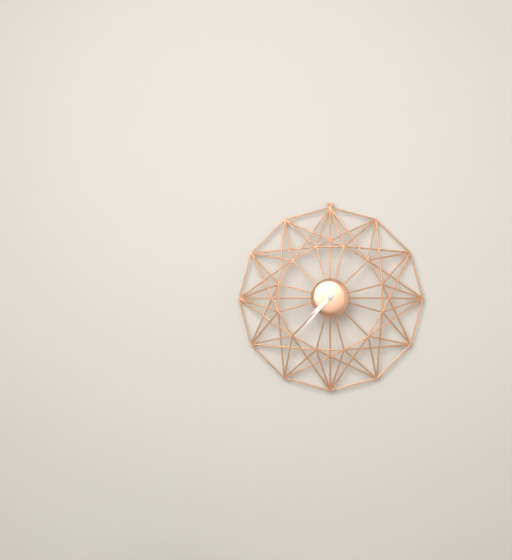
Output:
7,37
